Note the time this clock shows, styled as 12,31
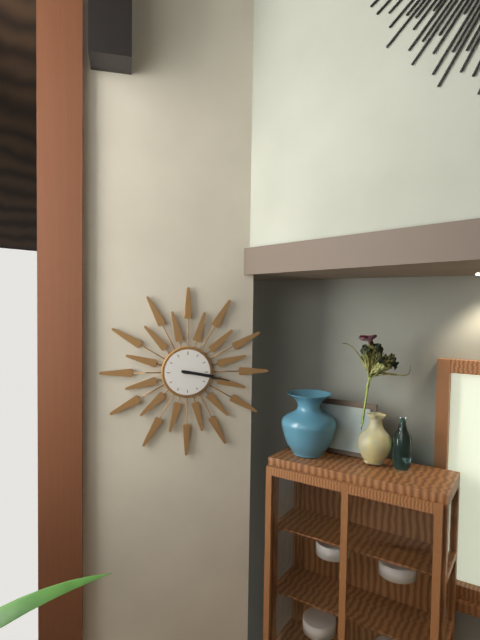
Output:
3,17
